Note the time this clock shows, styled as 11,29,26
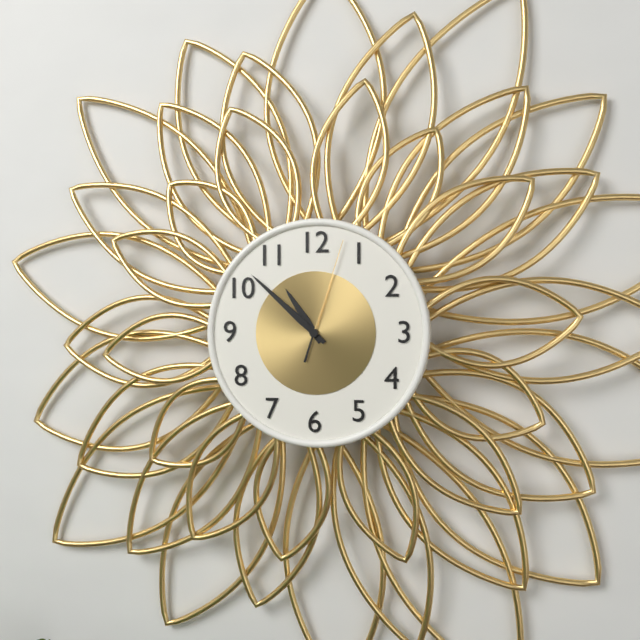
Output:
10,52,03
